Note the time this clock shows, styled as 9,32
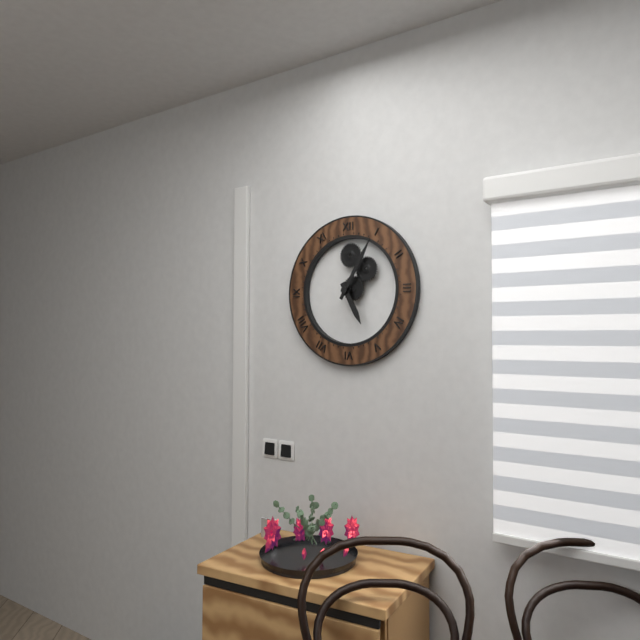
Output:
5,05
